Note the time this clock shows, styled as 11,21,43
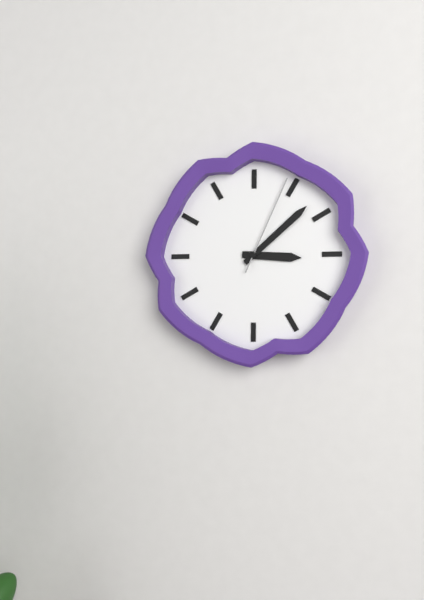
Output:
3,08,04
